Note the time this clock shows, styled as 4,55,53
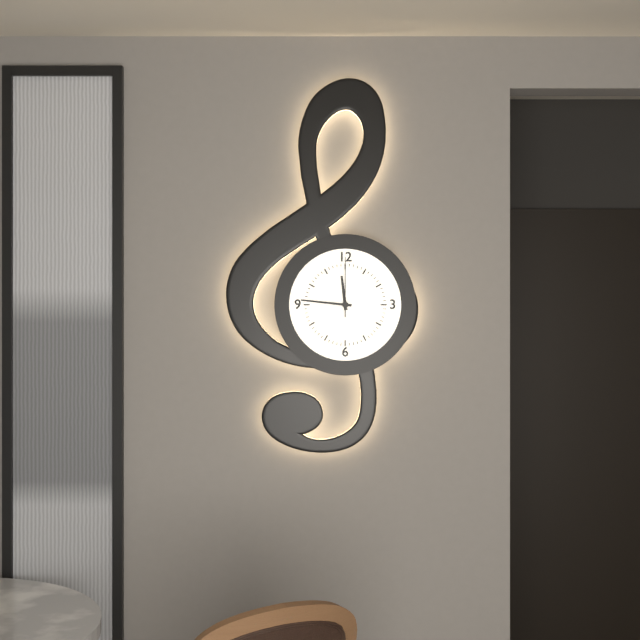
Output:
11,46,00
